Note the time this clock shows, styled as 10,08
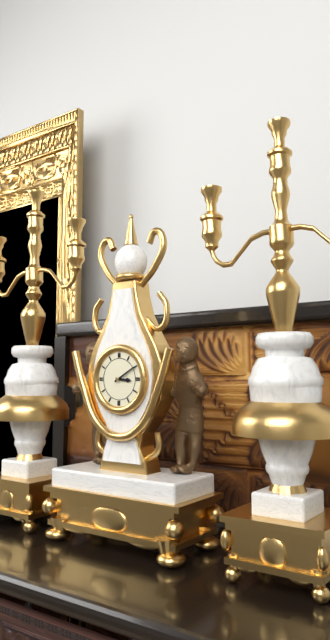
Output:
3,10
